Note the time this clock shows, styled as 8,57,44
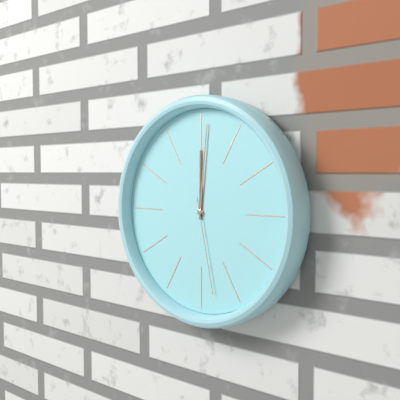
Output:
12,01,28
